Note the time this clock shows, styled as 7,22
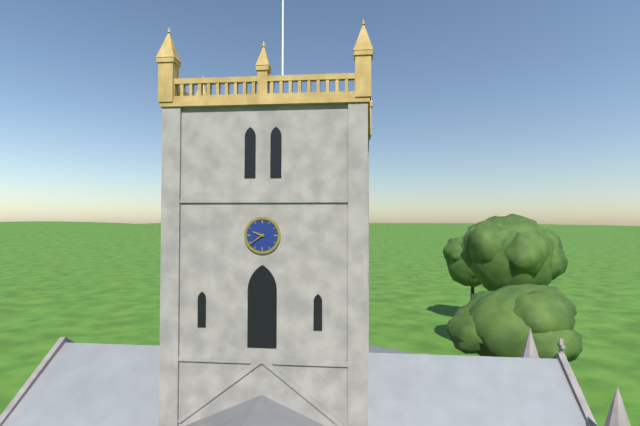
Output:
9,39
